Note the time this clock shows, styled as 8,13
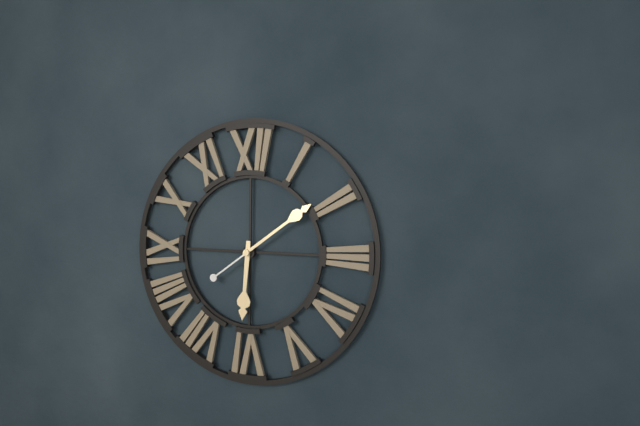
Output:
6,09
